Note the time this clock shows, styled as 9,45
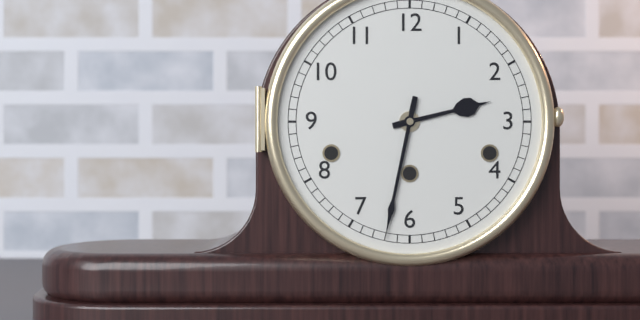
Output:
2,32
